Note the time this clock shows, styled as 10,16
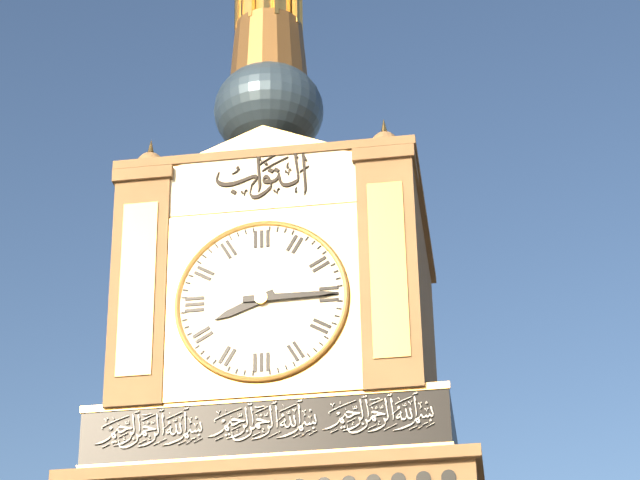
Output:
8,15
